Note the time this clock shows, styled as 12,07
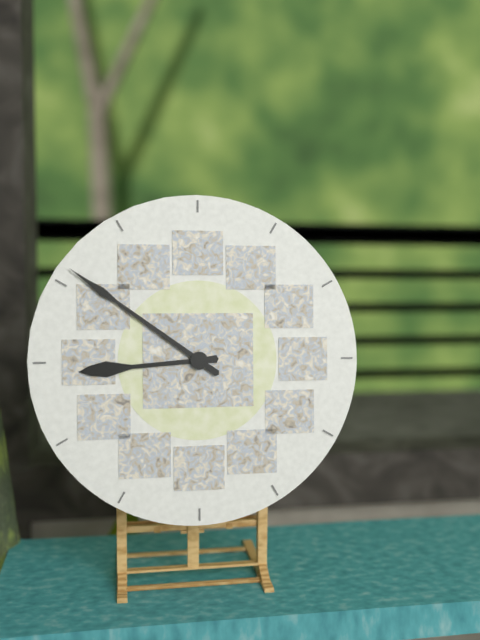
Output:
8,51
